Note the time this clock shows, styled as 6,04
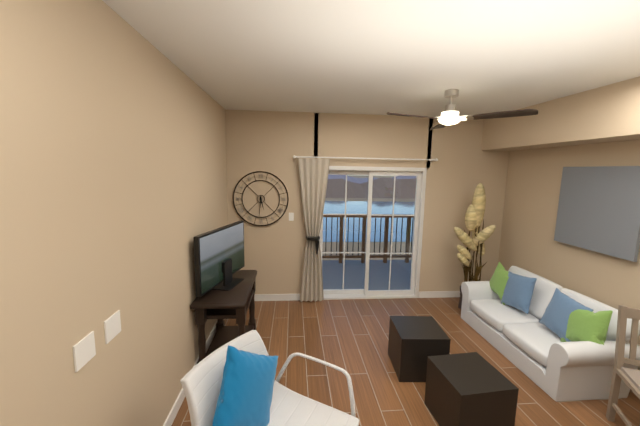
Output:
5,31
